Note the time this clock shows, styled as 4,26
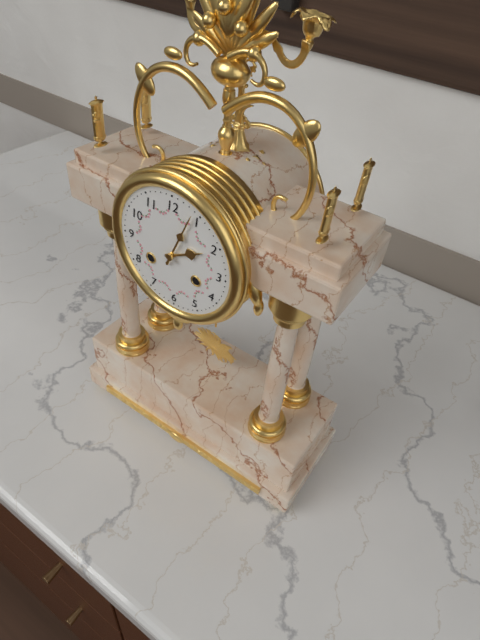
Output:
2,04
